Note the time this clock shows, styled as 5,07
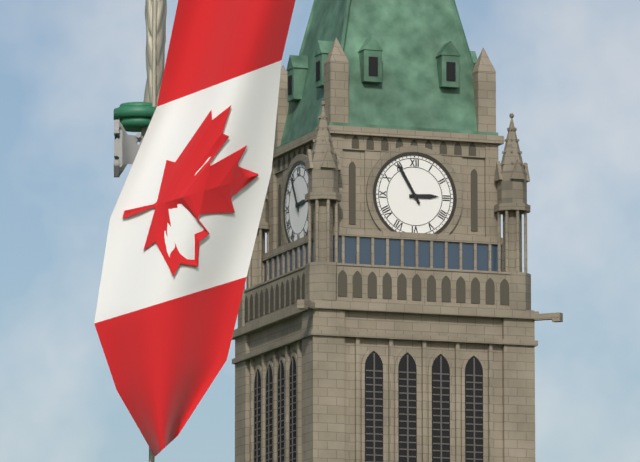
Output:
2,55
